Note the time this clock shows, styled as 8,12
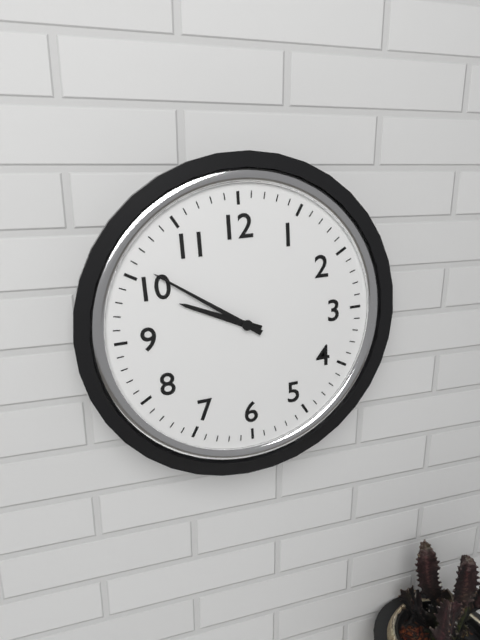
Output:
9,51
